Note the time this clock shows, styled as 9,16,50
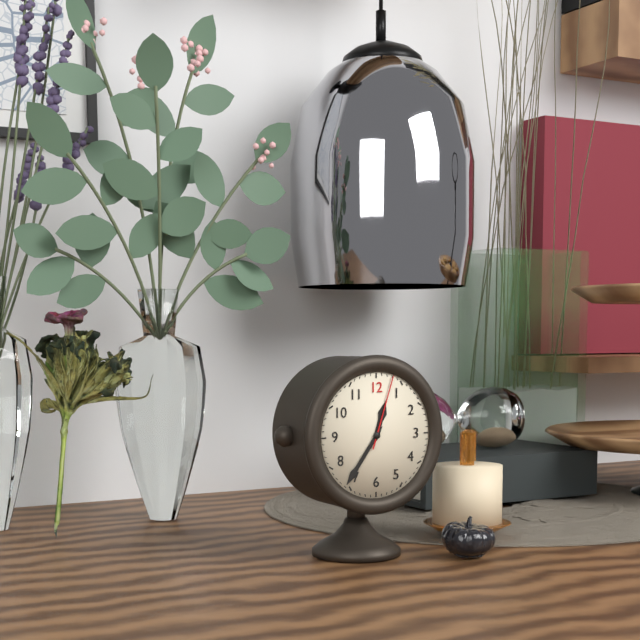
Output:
12,36,03
